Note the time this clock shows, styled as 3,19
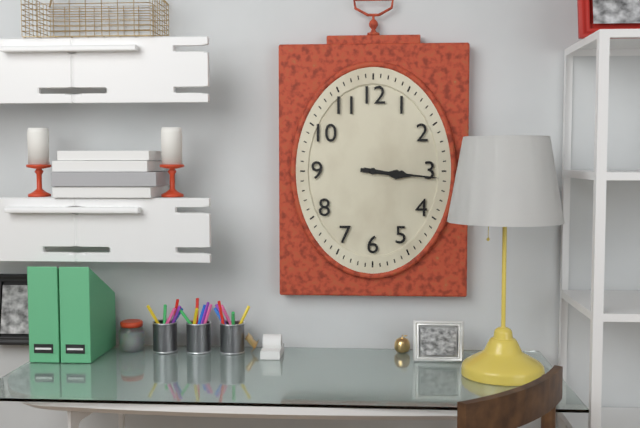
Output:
3,16
